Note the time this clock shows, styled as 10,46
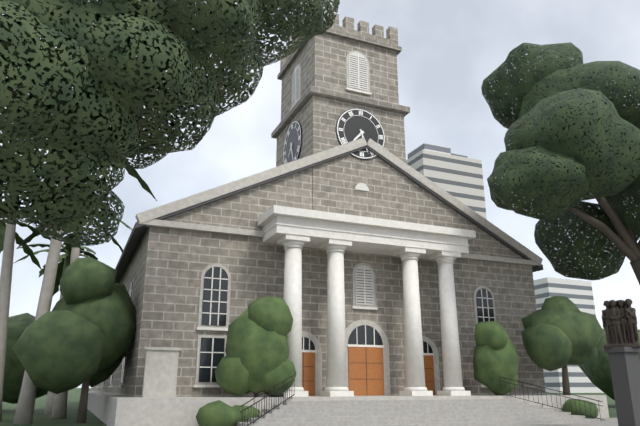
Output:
7,27
